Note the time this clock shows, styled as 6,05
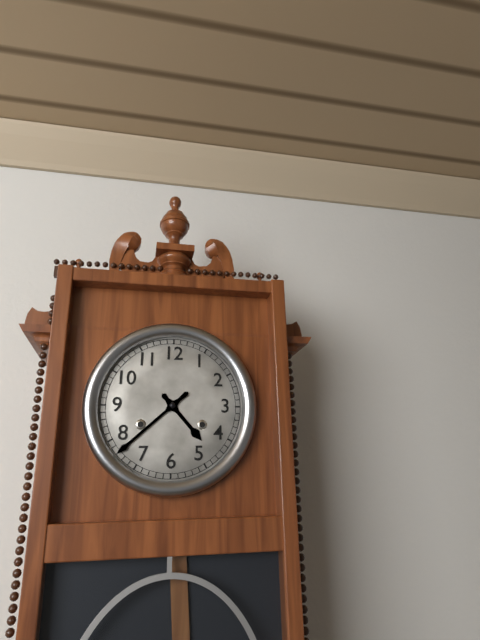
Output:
4,38
